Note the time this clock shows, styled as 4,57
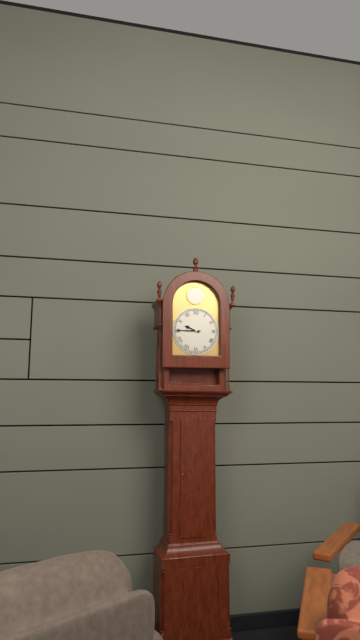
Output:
9,45
